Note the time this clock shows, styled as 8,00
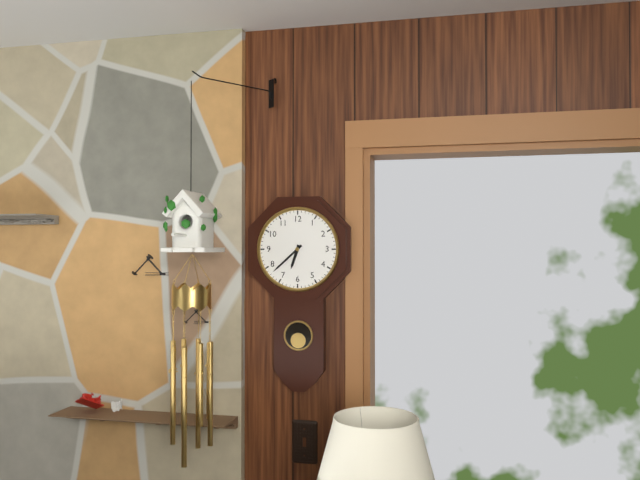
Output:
6,38
